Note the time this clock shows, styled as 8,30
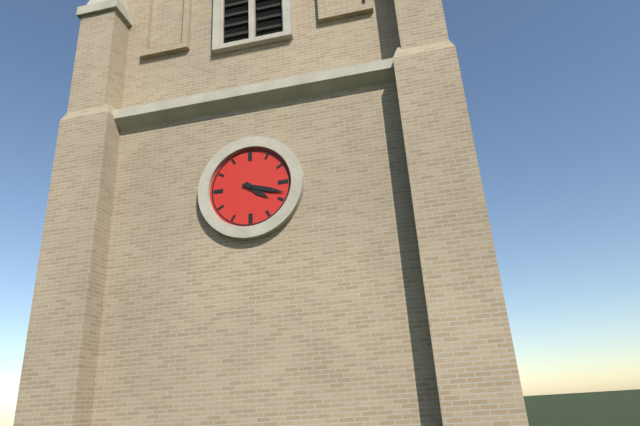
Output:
4,18
